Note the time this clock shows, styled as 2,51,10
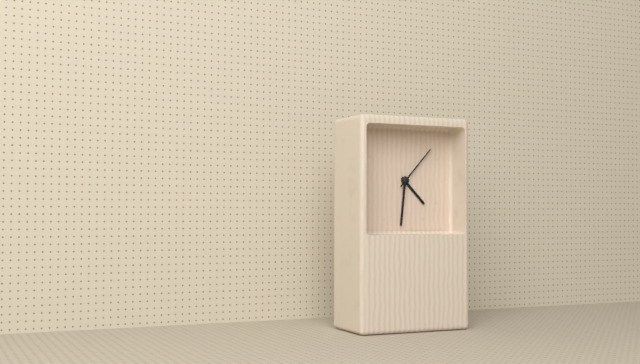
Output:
4,31,07
